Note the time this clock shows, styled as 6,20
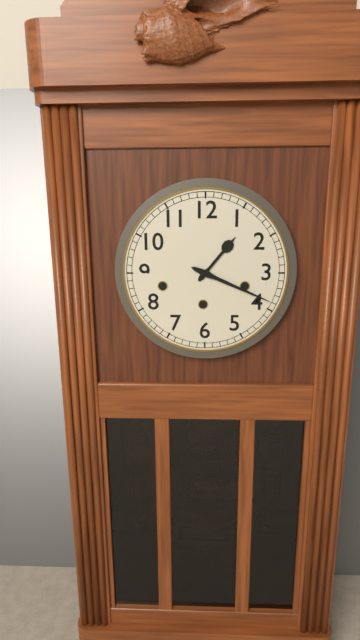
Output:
1,19
